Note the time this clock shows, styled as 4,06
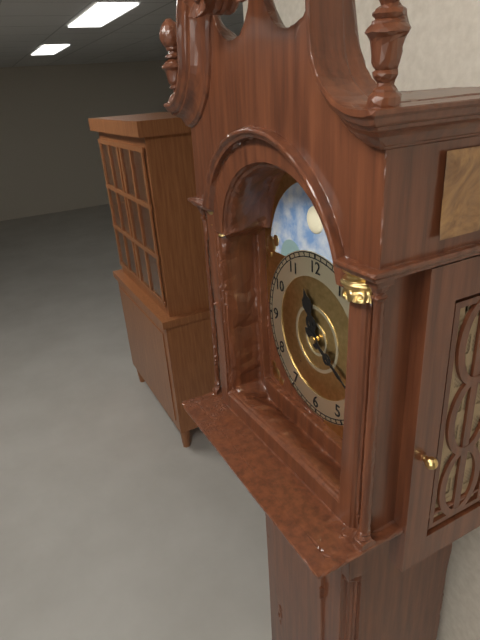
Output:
11,20
